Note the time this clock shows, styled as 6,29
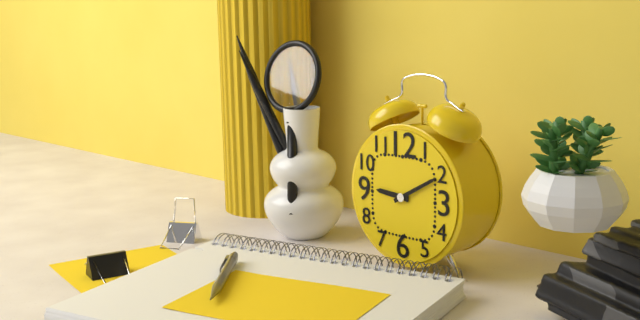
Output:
9,10
